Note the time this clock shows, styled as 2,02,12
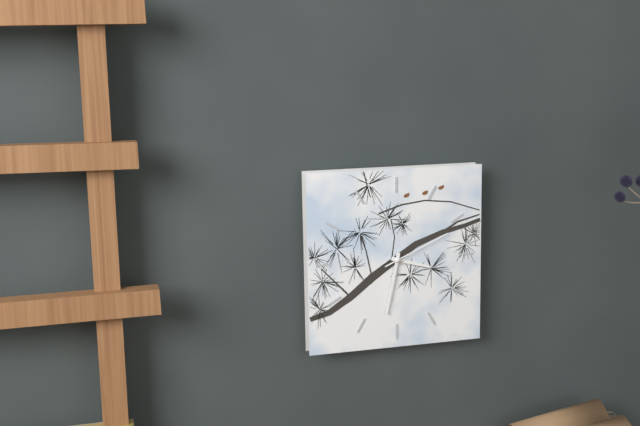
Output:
3,32,11
